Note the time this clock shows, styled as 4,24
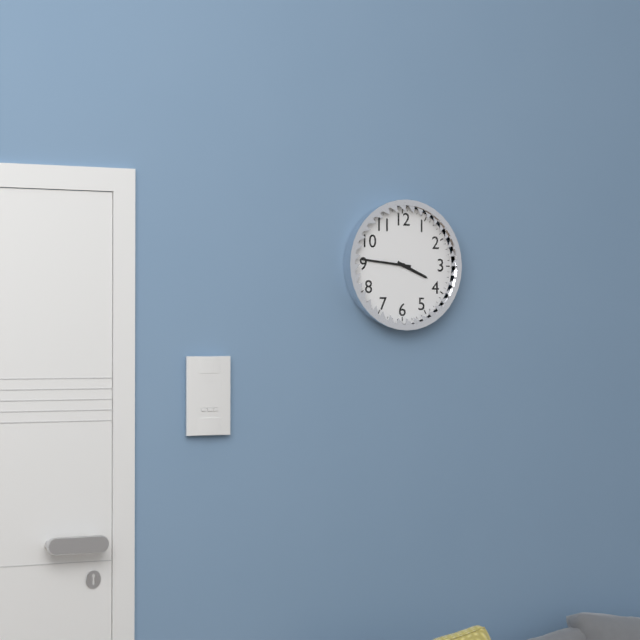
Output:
3,46
